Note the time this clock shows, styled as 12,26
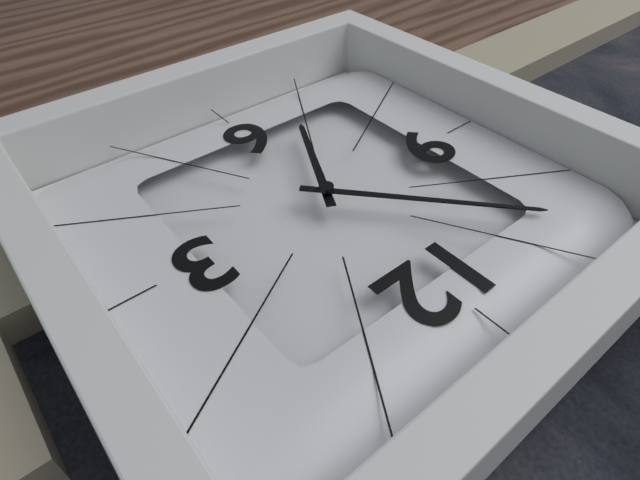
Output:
6,53
